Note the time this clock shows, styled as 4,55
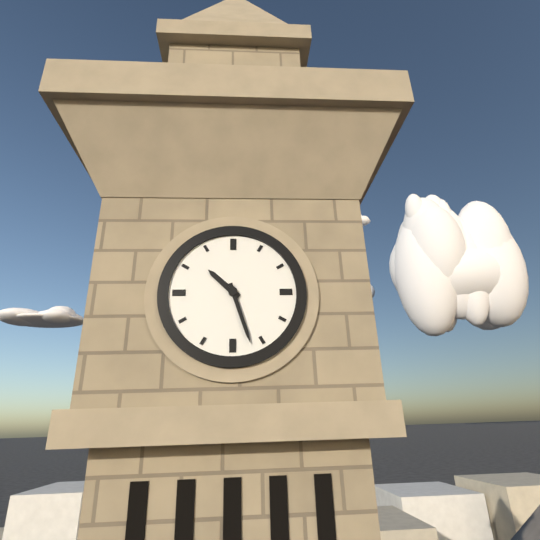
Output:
10,27
